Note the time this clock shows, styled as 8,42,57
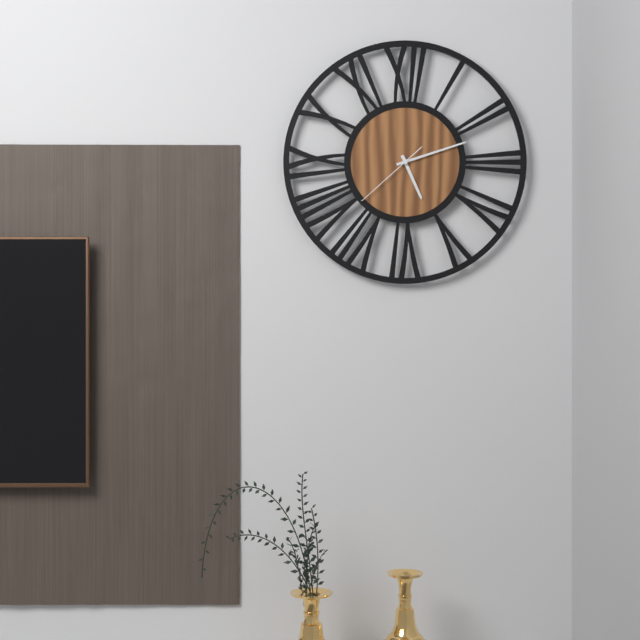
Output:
5,12,38
